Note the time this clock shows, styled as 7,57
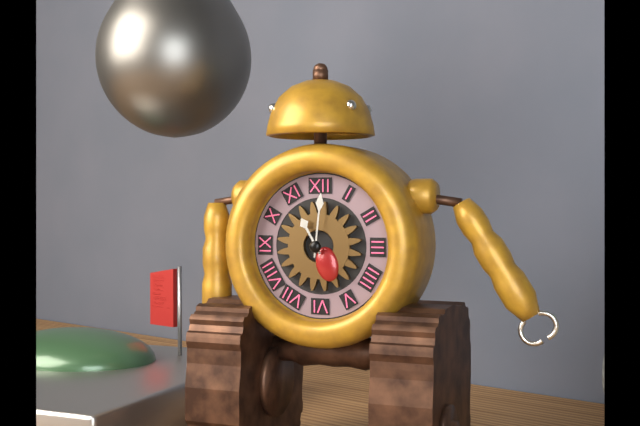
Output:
11,01
